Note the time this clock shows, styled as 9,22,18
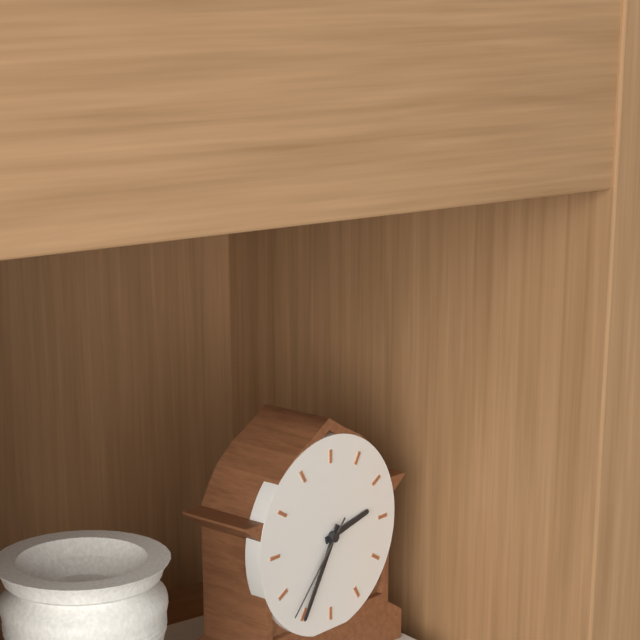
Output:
2,35,37
